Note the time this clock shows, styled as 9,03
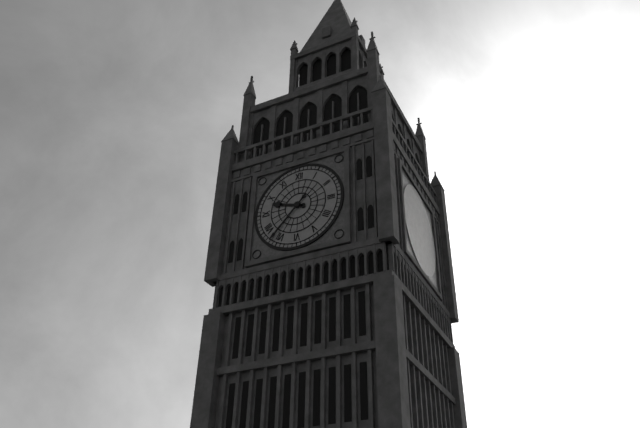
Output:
9,37
